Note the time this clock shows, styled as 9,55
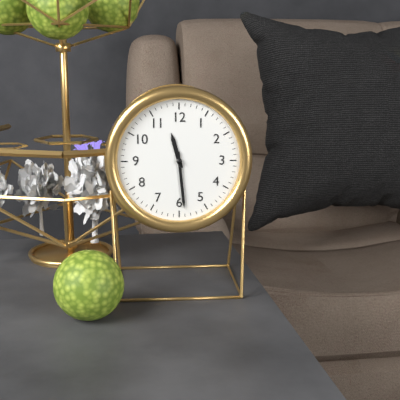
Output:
11,29
